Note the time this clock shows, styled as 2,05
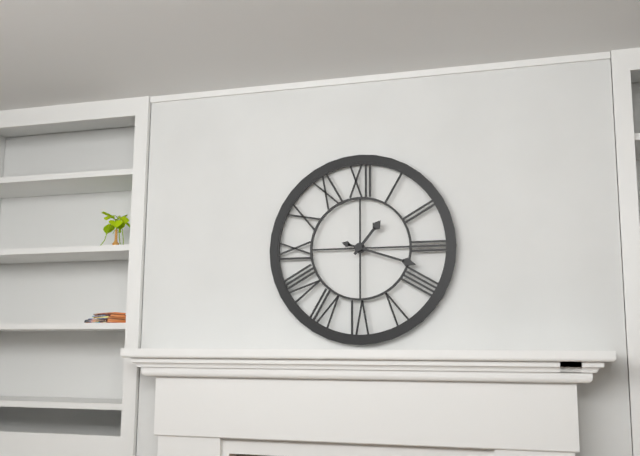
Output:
1,18
